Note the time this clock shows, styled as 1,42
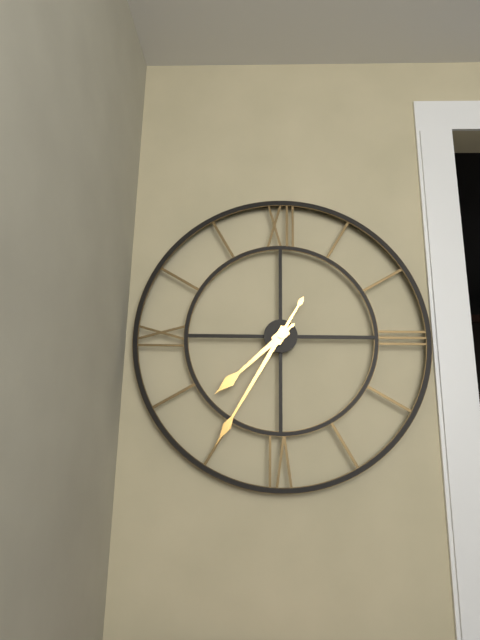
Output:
7,35
